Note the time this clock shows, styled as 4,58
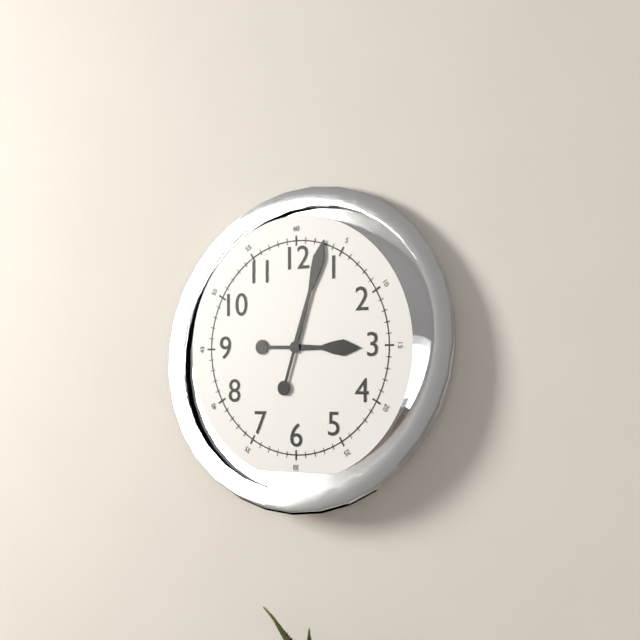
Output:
3,03
